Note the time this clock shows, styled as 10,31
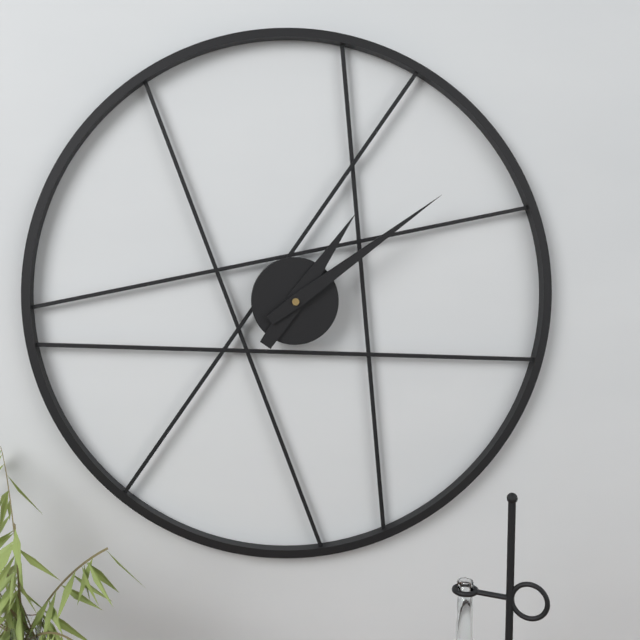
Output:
1,09
